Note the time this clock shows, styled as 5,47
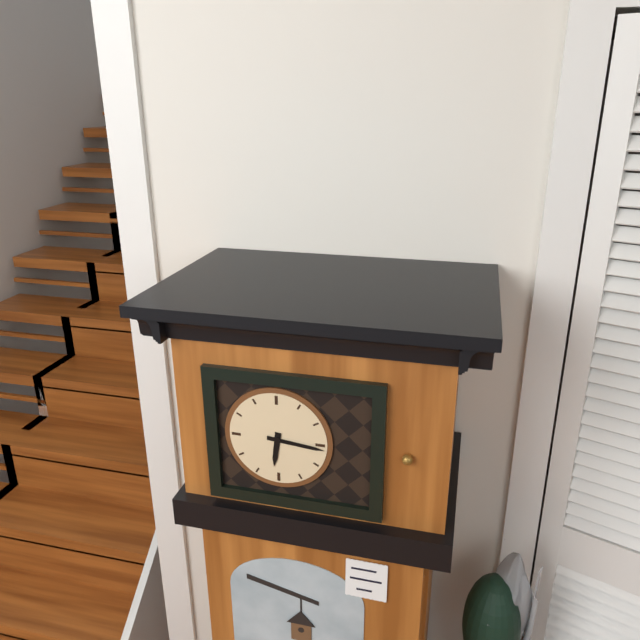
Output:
6,16
